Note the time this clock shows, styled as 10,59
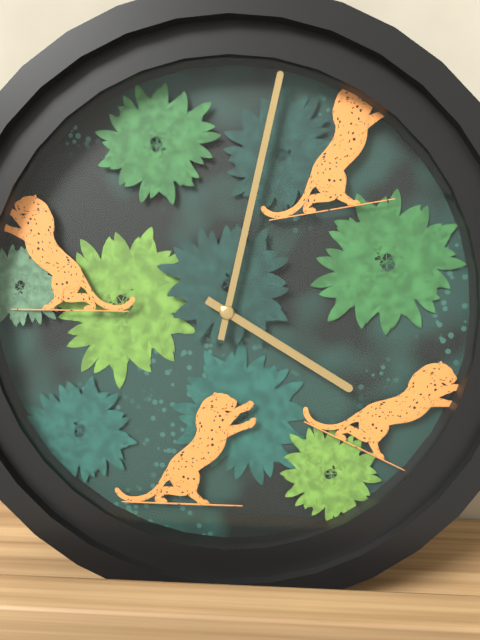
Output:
4,02
